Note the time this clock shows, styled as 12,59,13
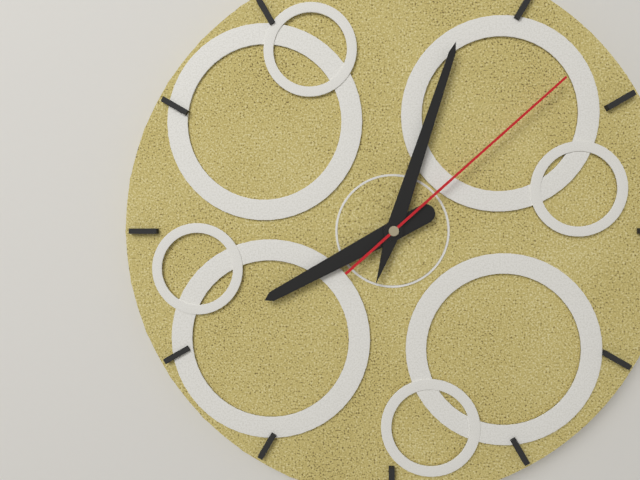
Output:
8,03,08
